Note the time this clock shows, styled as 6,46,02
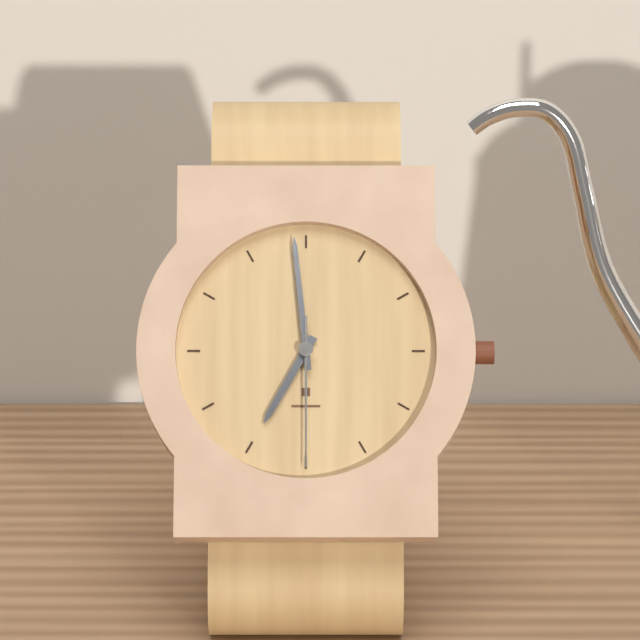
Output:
6,59,30
